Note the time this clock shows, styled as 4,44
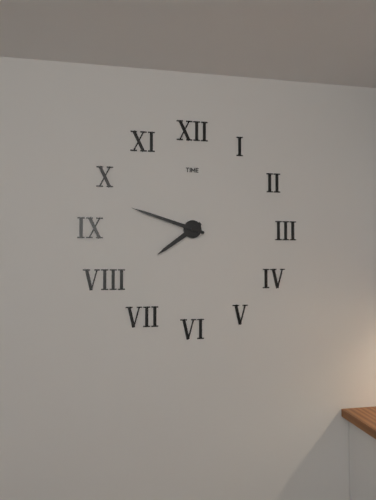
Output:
7,48
